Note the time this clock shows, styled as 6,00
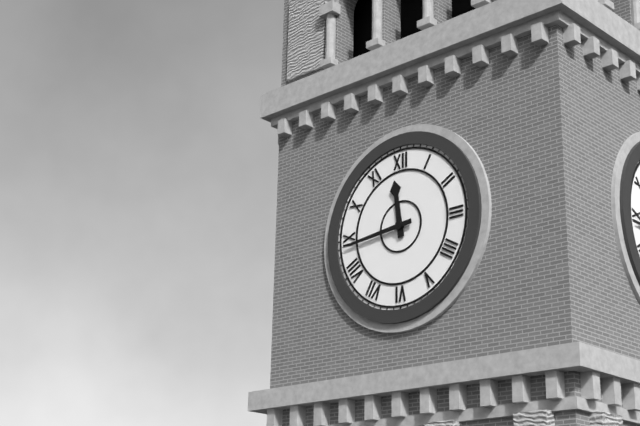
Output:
11,44
